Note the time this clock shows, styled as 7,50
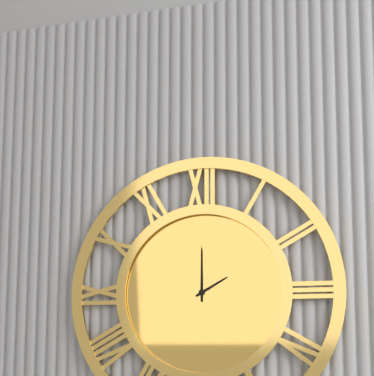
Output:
2,00
